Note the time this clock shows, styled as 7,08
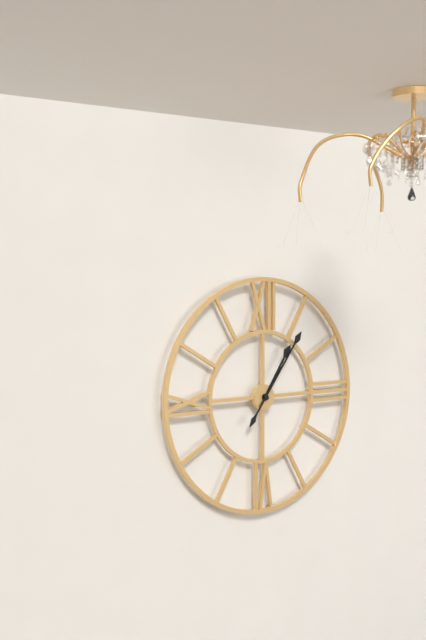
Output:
1,06
